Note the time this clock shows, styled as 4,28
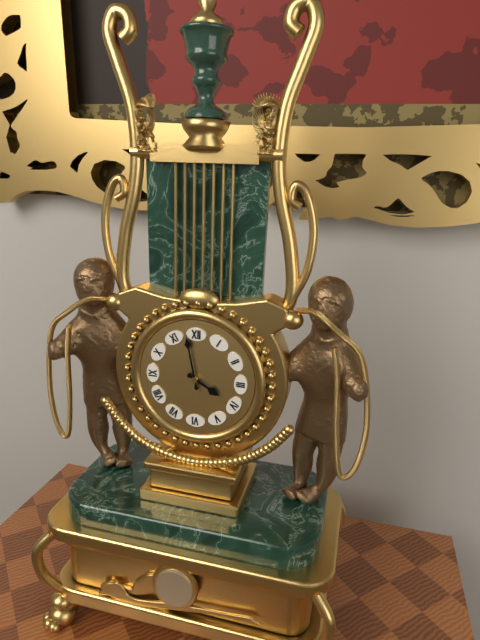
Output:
3,58
